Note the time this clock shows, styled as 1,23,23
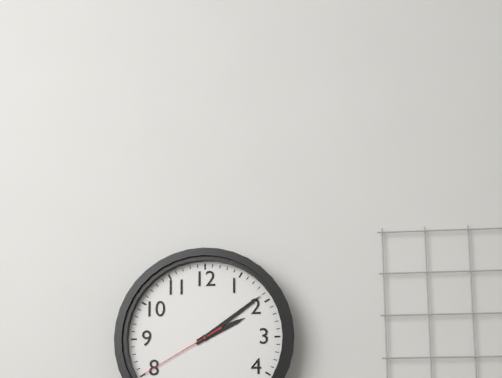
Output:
2,09,40
